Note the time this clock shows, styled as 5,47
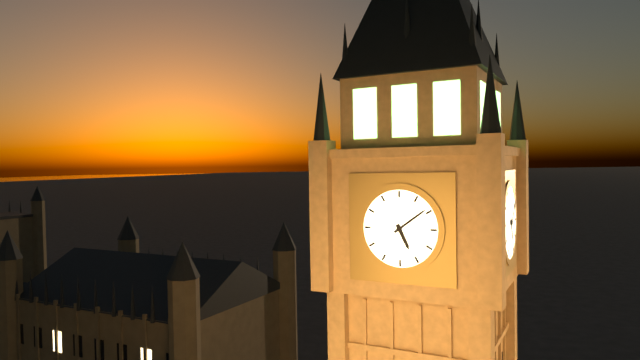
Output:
5,09
